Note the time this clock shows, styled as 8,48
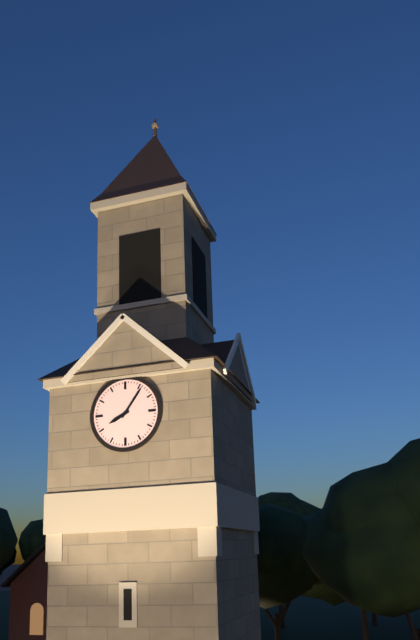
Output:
8,06
